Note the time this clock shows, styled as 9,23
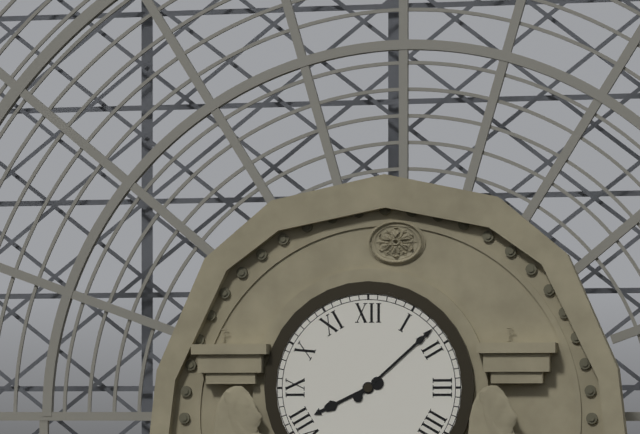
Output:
8,08
